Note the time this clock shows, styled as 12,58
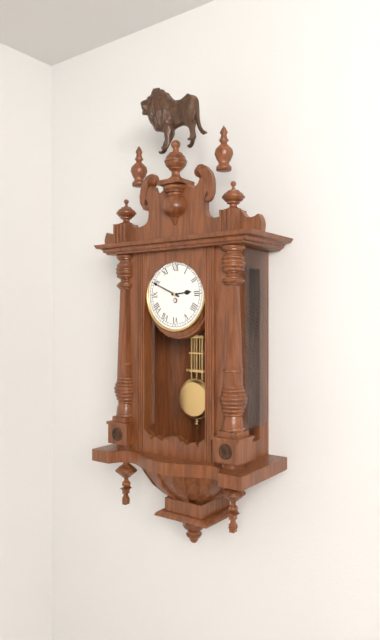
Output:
2,49
